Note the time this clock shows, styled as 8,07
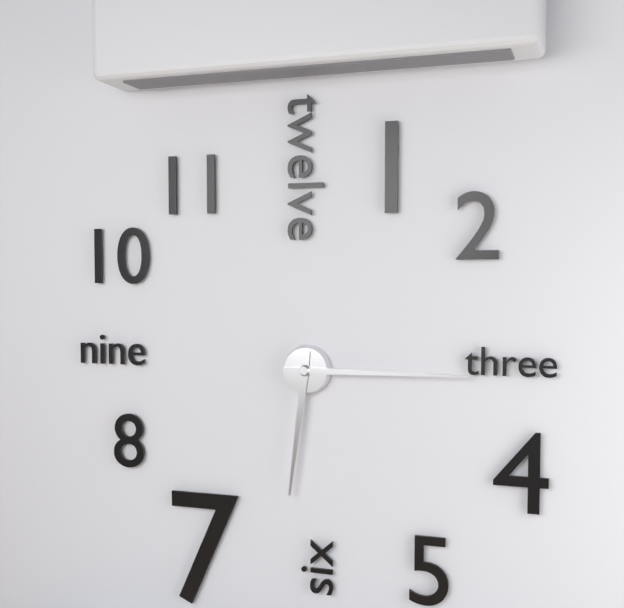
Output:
6,15
